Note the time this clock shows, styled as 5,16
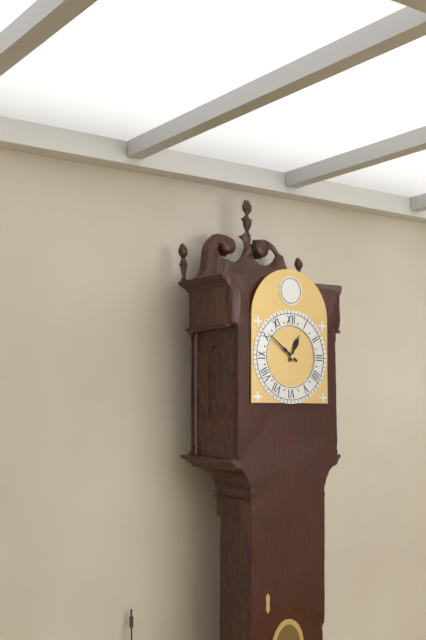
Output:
12,51
